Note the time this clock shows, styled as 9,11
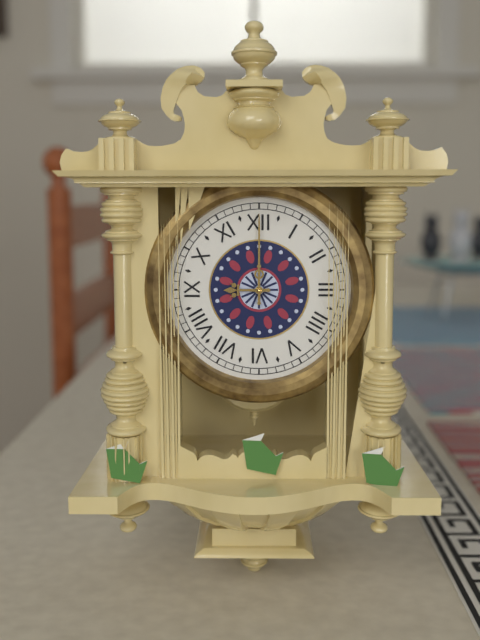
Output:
9,00
